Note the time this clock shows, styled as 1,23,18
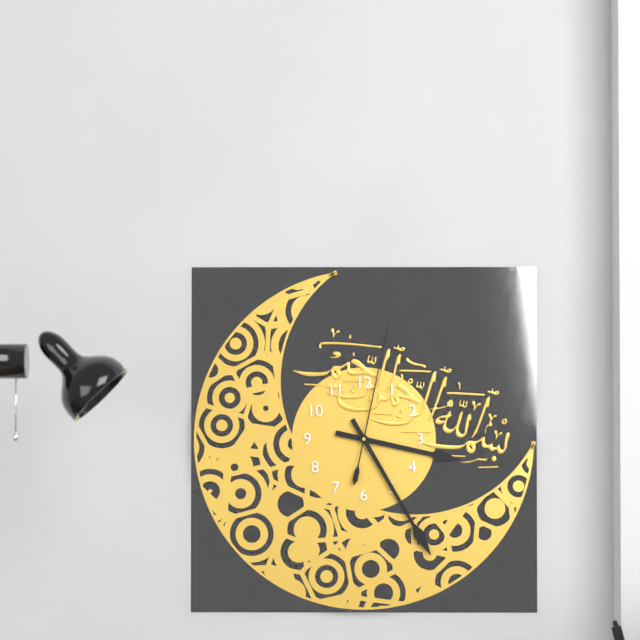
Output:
3,25,02
